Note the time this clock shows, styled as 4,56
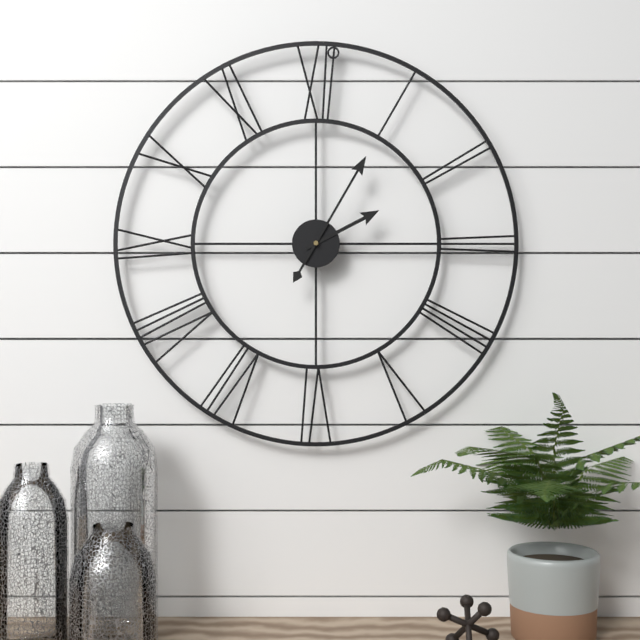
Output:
2,05
